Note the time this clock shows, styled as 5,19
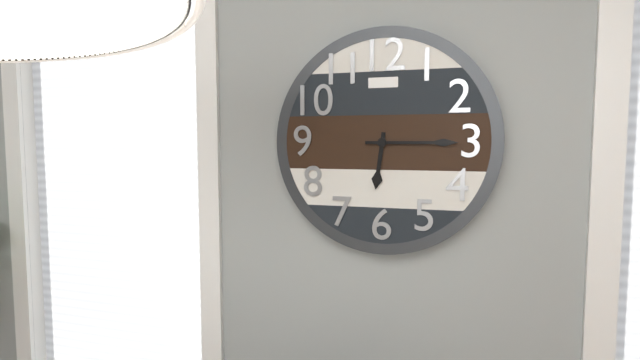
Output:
6,15
